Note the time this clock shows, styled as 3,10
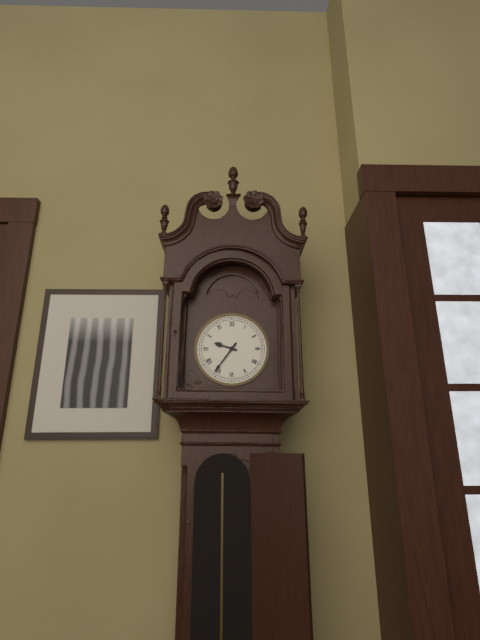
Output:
9,36
